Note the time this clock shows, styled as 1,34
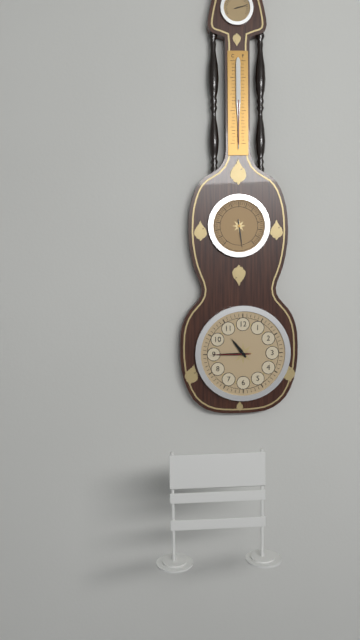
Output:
10,45
